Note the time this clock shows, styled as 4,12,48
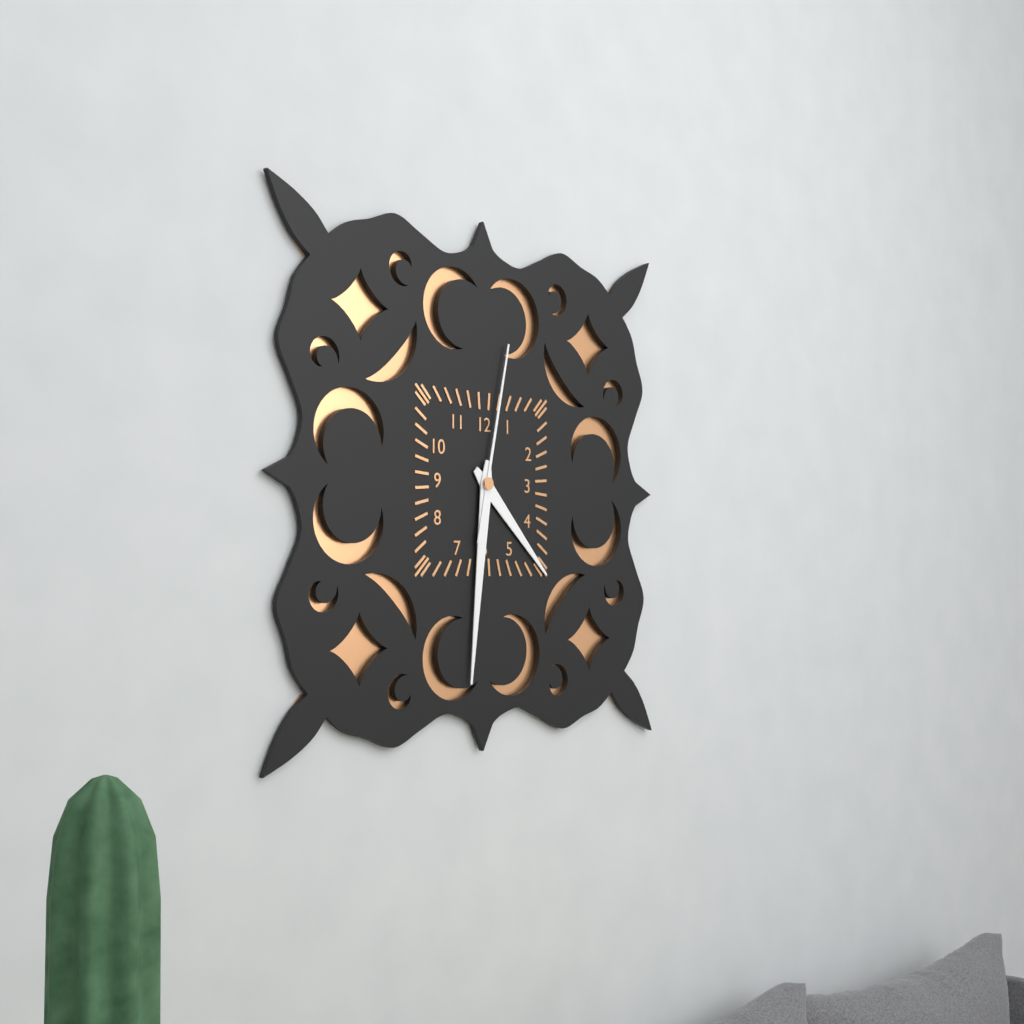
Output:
4,31,02
